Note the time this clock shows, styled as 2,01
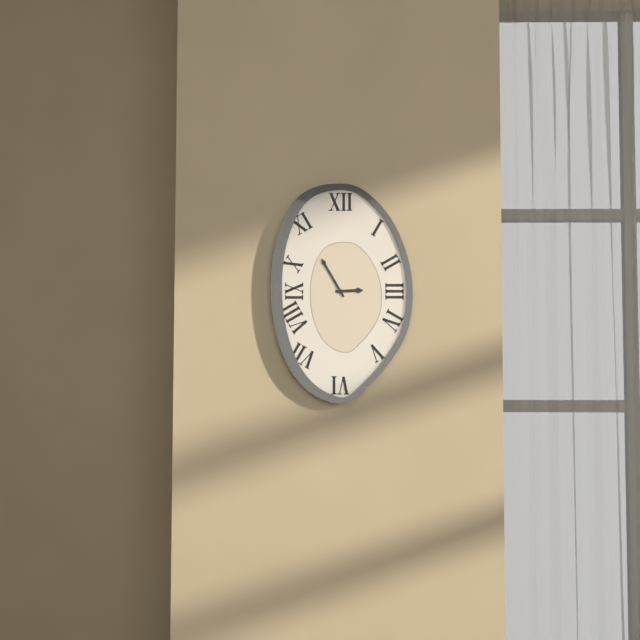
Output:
2,55
